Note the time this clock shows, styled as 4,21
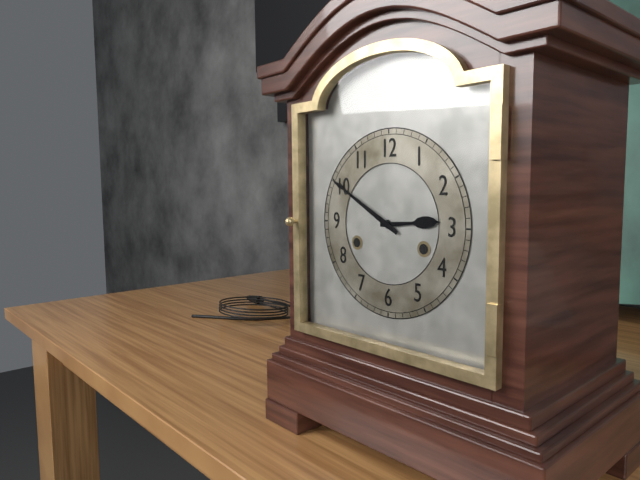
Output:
2,50
